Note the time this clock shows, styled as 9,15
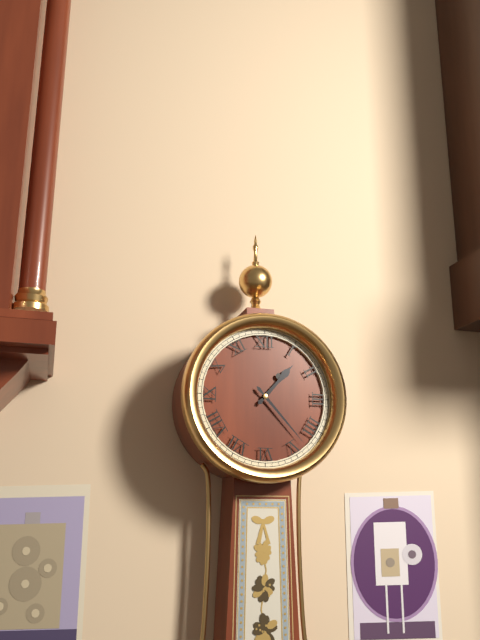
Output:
1,23
